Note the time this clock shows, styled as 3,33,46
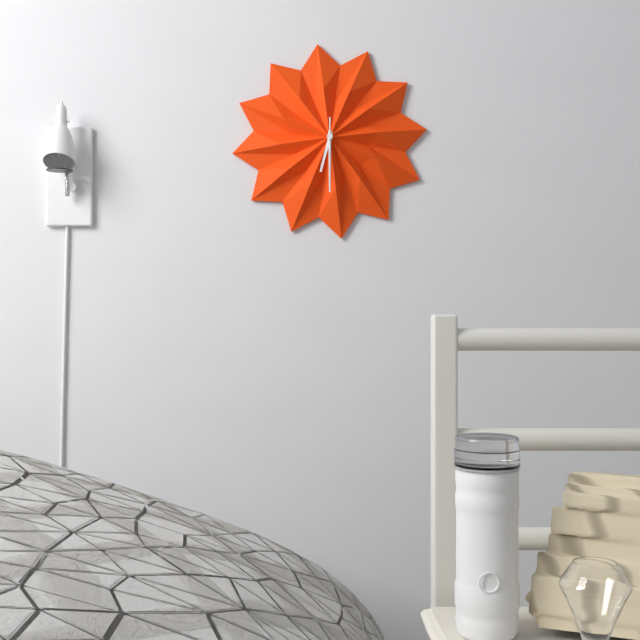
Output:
6,30,30
